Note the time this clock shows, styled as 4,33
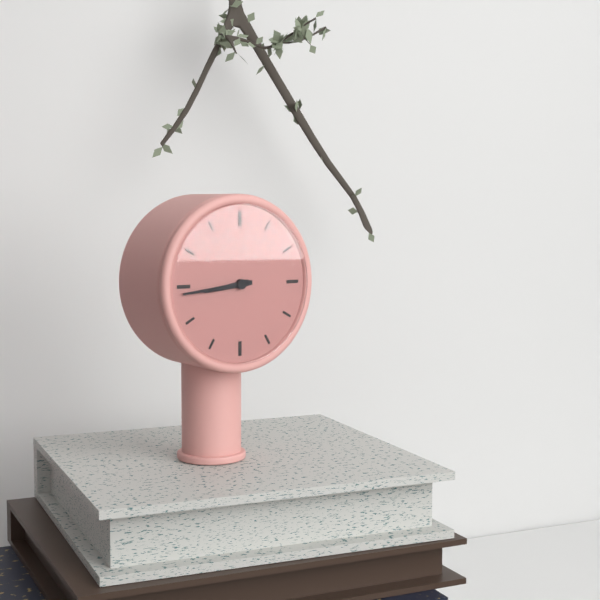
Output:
8,44
